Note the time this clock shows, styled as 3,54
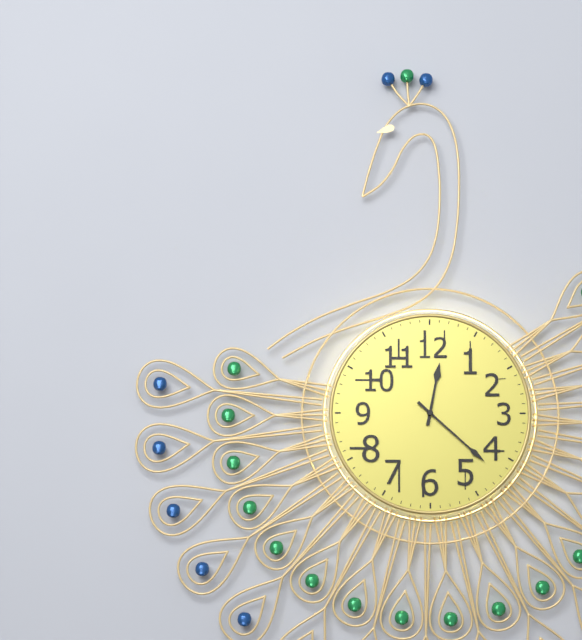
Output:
12,22
